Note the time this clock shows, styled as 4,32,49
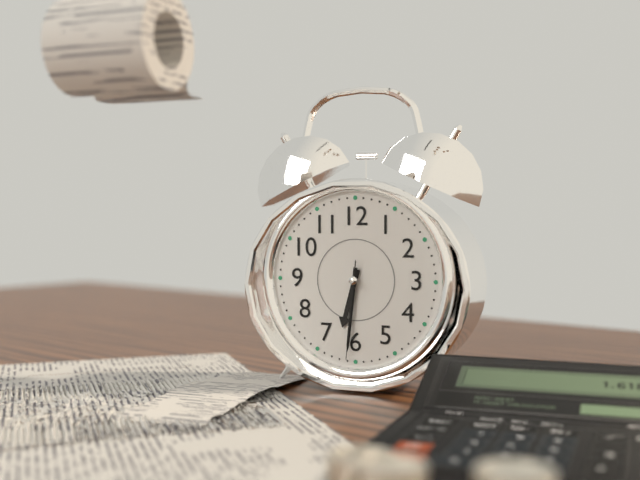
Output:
6,31,31
